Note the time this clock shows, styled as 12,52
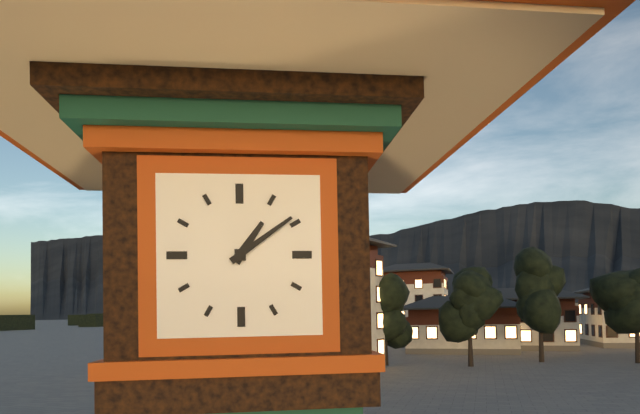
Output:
1,09
